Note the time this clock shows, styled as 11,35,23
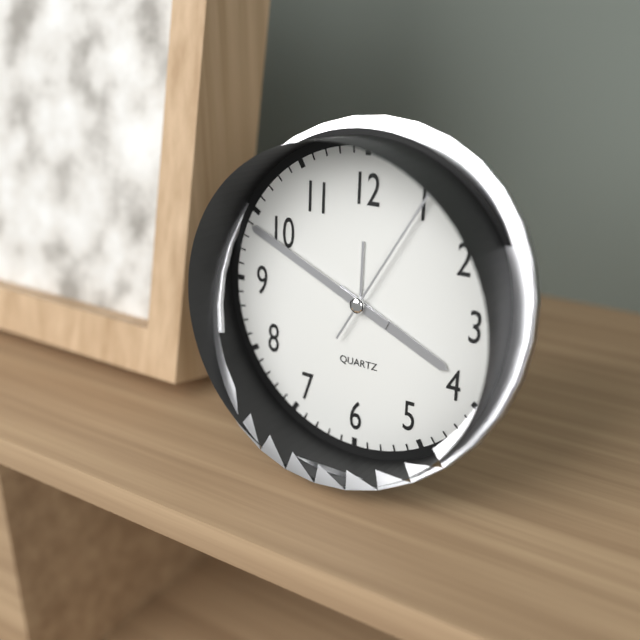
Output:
3,49,05
